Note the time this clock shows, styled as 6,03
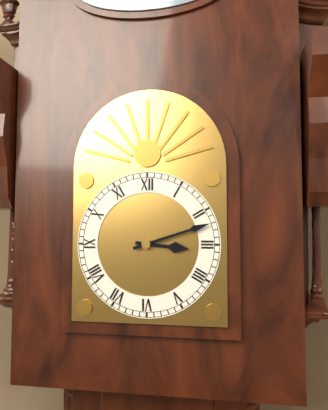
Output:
3,12
